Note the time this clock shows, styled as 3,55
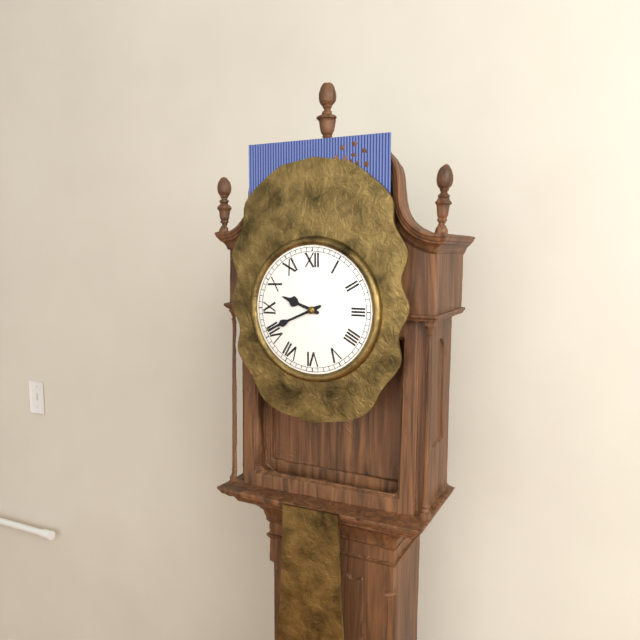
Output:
9,41
